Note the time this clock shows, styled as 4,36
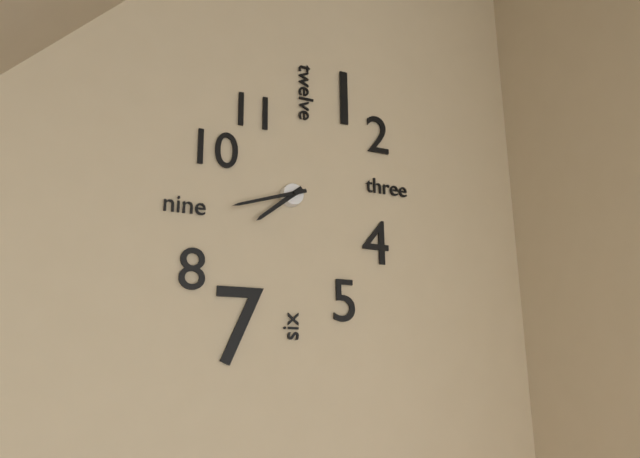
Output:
7,42
